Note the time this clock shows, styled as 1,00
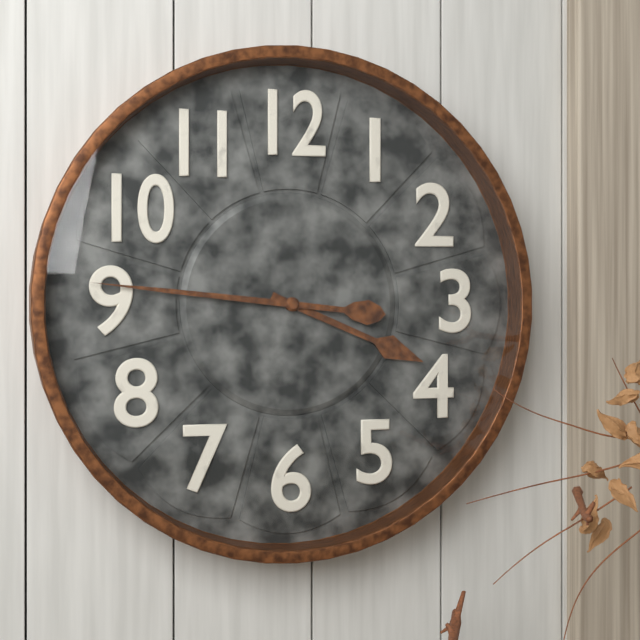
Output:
3,46
